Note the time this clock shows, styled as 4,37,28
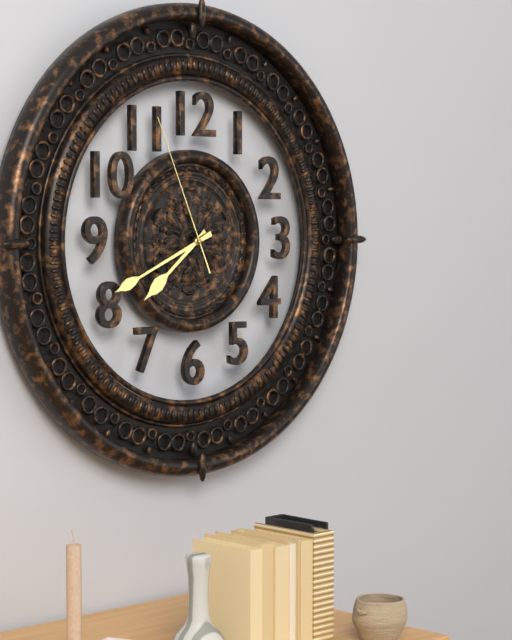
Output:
7,41,56
